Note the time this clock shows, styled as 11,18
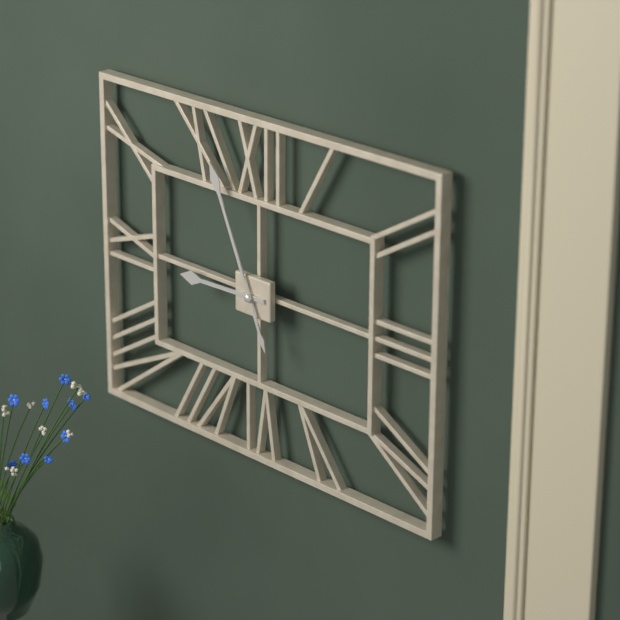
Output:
8,56
